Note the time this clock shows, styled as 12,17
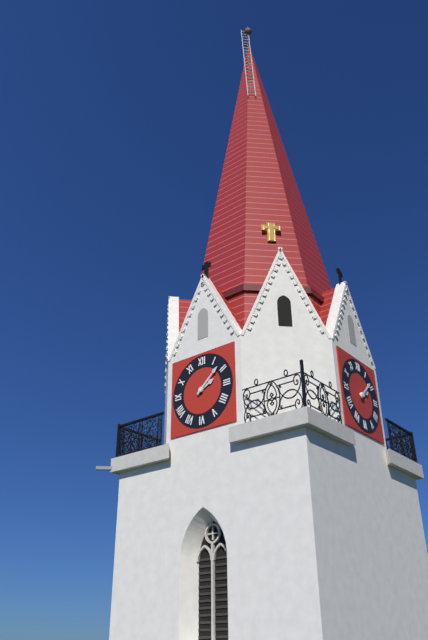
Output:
2,08
